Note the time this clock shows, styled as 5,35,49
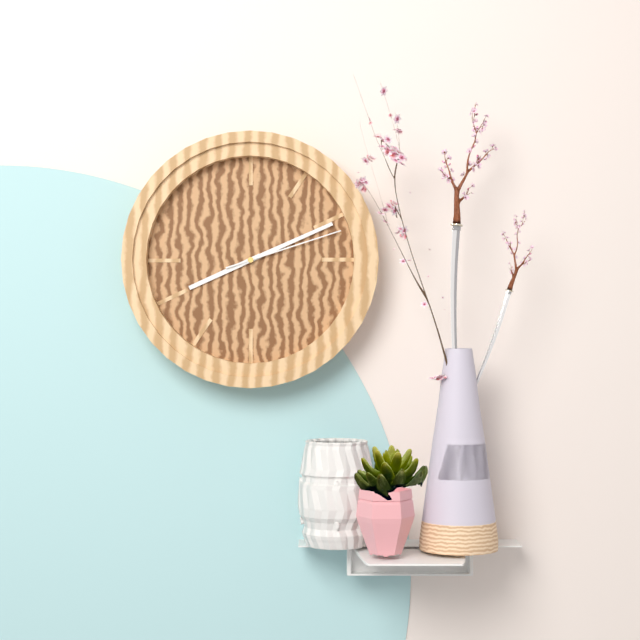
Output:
8,11,12
